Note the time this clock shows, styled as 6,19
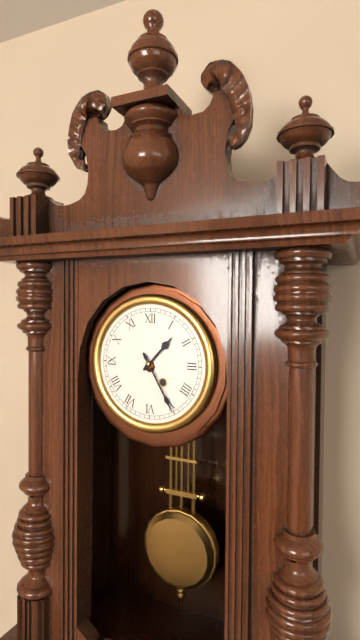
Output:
1,25
